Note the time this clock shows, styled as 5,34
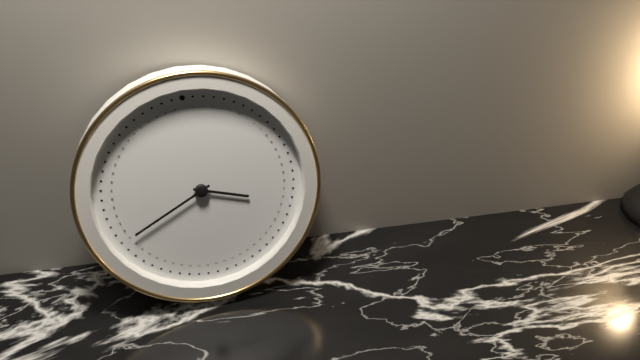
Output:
3,41
